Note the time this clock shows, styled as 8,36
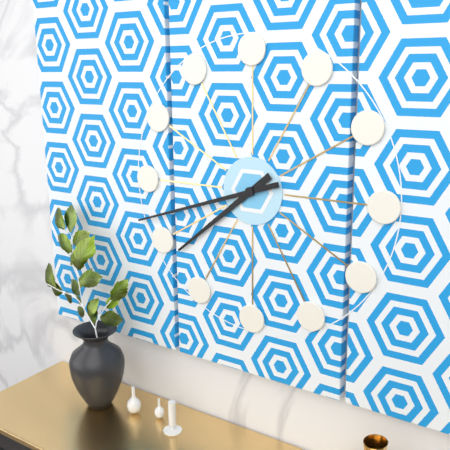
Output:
7,42
